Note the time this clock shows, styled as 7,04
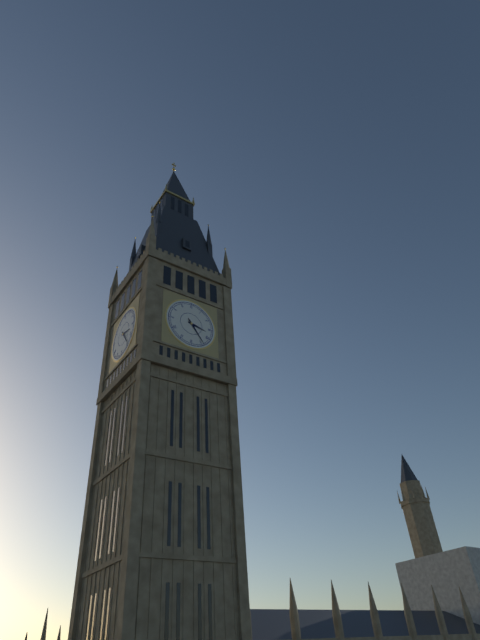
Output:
3,24
